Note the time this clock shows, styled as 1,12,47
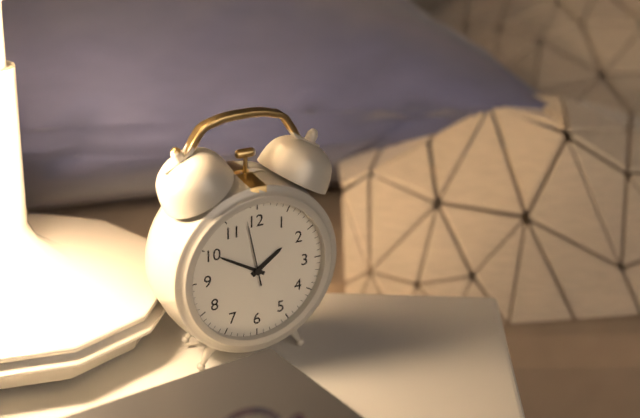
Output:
1,50,58
